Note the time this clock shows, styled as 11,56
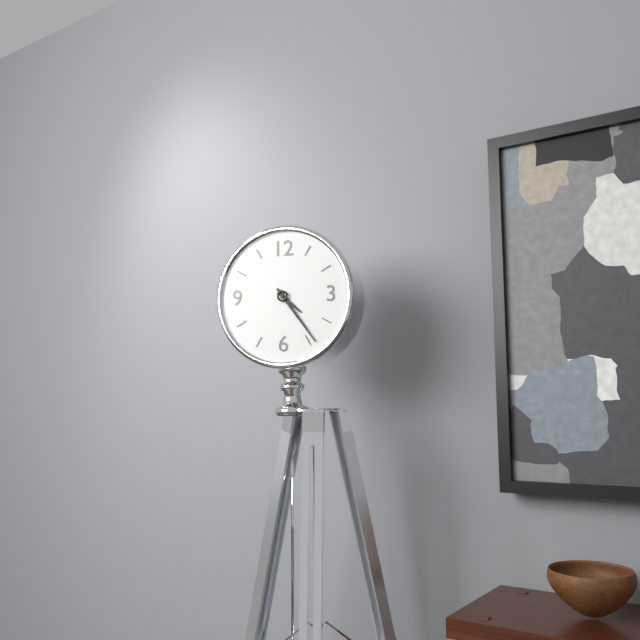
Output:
4,24
